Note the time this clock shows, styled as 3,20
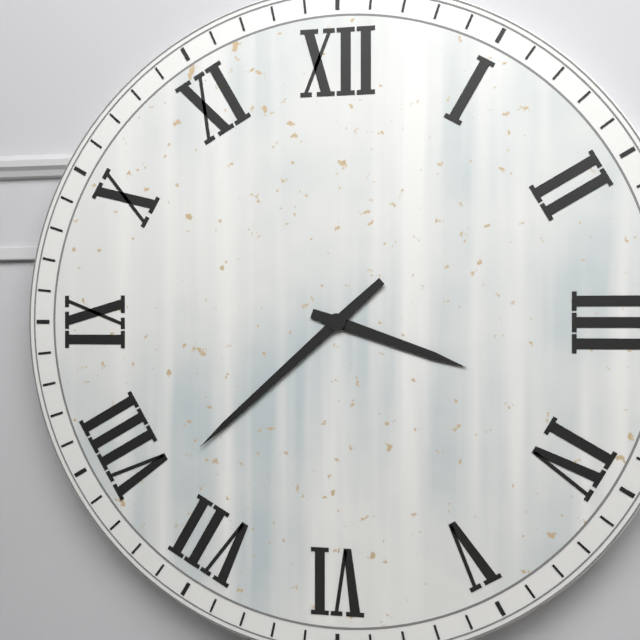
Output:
3,38
